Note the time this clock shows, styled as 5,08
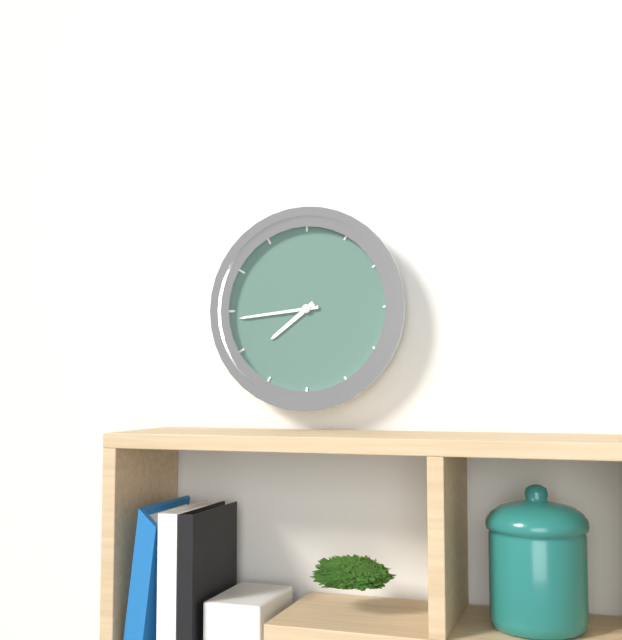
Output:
7,44
